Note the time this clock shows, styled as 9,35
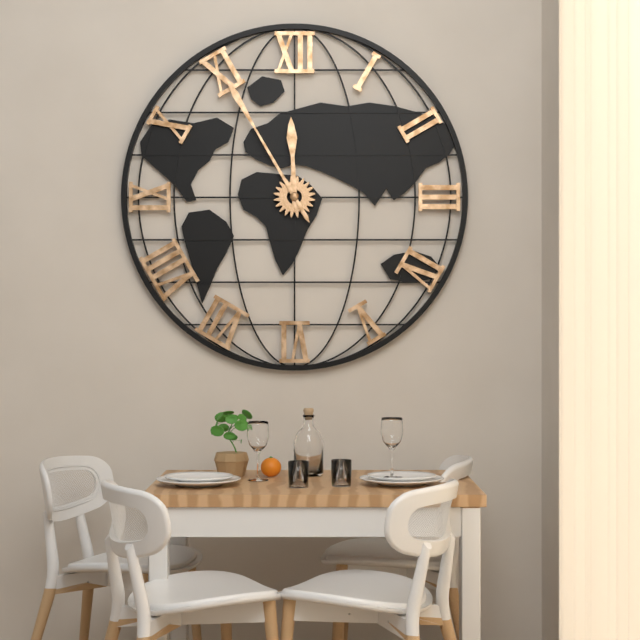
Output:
11,55
